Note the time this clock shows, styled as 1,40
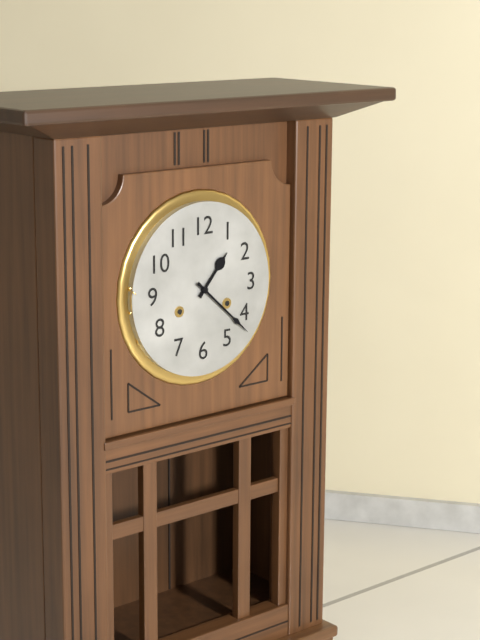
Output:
1,22
